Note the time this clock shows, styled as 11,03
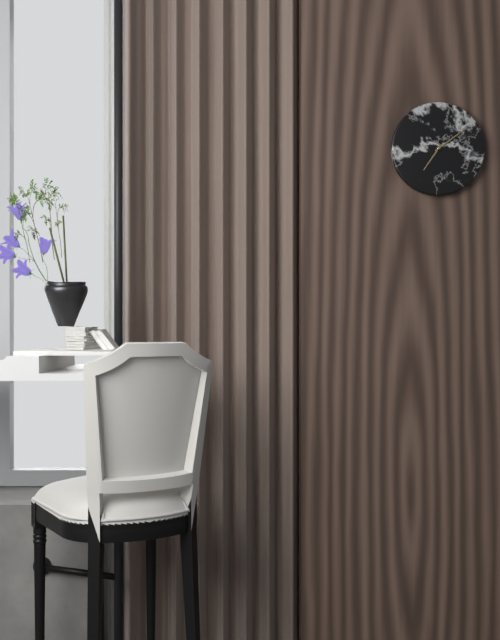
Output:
7,09
